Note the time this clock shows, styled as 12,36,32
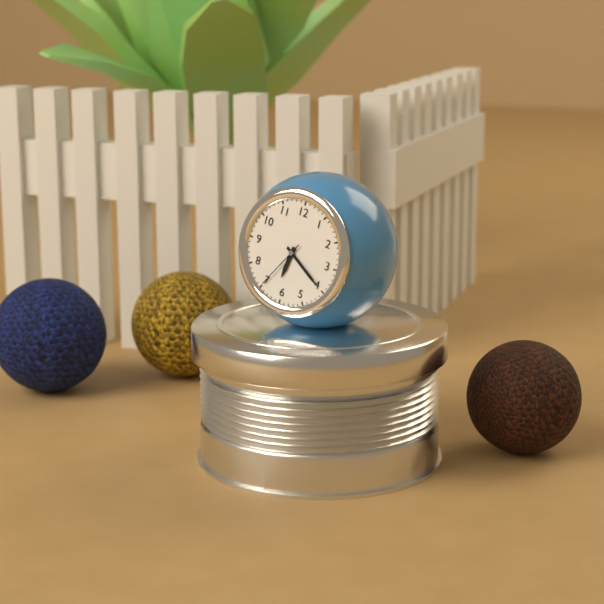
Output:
6,20,35
